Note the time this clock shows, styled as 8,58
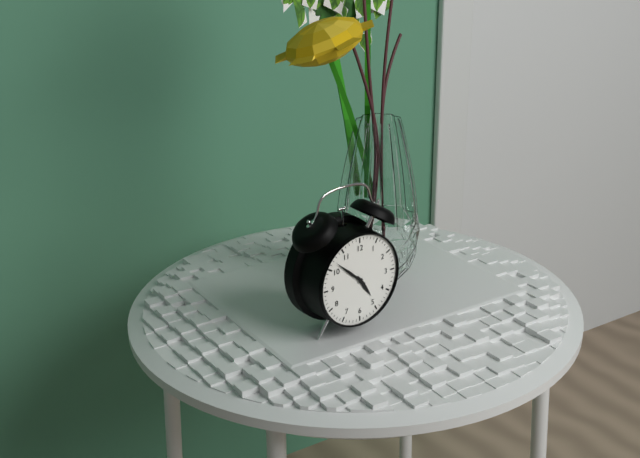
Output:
4,52
